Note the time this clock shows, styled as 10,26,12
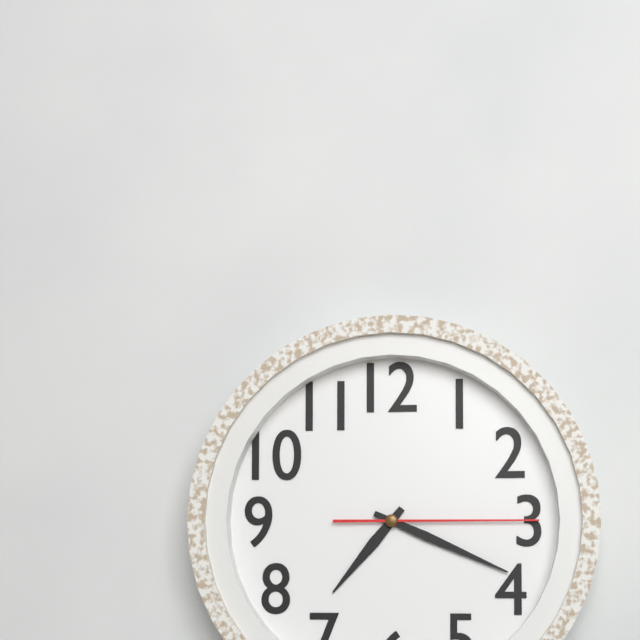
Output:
7,19,15
